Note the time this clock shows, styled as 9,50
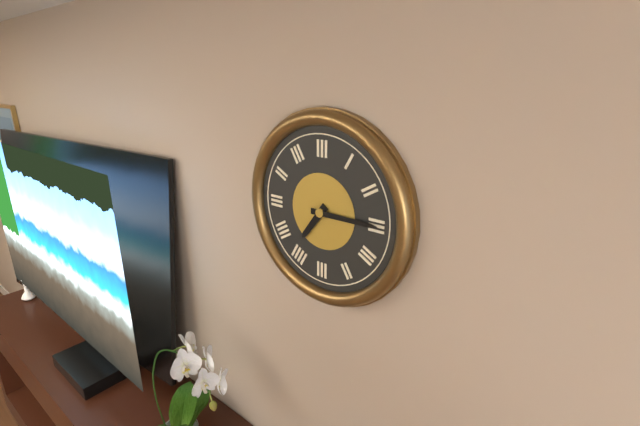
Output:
7,15
